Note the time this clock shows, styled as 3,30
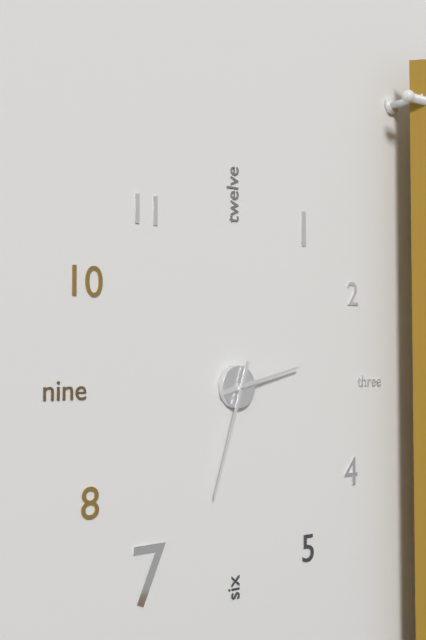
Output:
2,33
